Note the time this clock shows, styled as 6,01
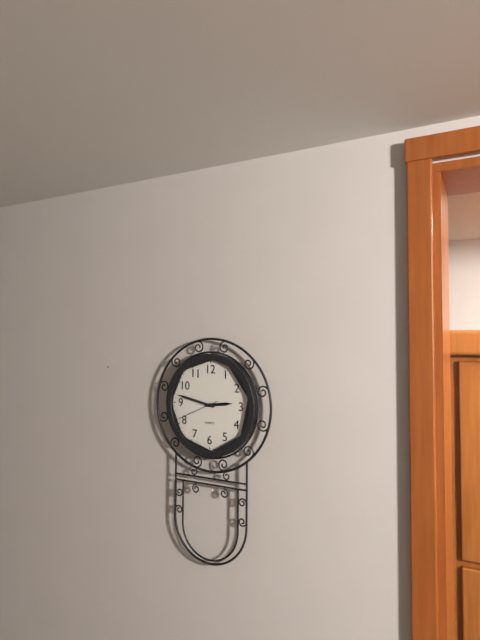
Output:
2,47
